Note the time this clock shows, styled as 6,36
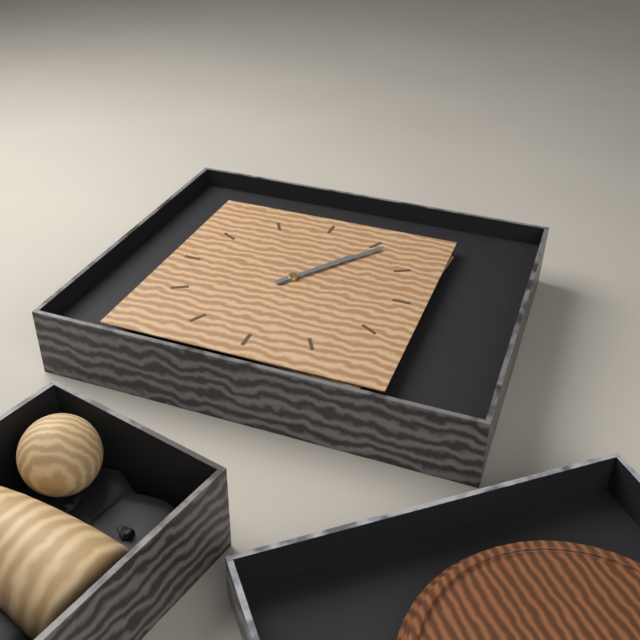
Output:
1,06
